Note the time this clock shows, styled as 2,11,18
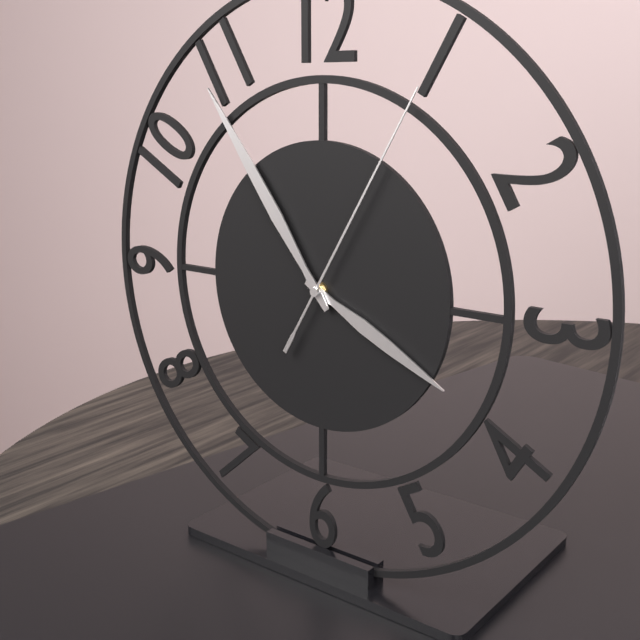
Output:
3,54,05
